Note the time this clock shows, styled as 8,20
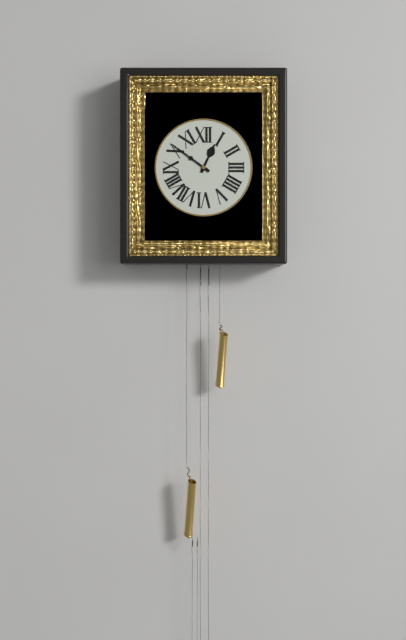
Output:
12,51
